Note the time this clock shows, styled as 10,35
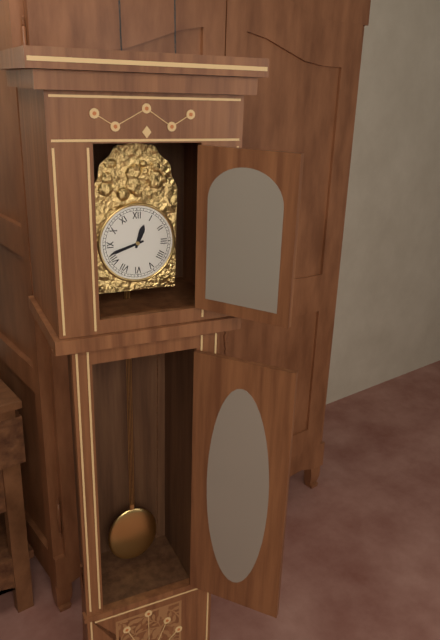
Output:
12,42
